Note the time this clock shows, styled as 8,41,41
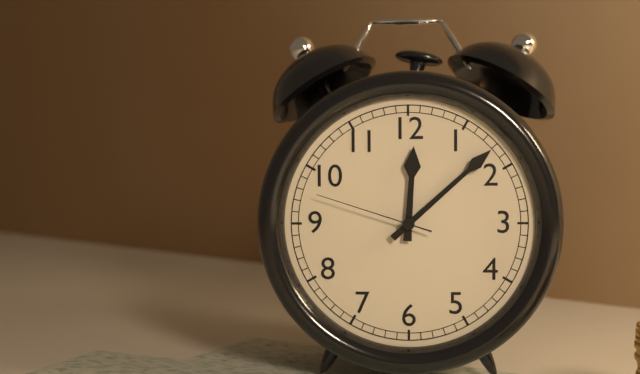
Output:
12,08,48
